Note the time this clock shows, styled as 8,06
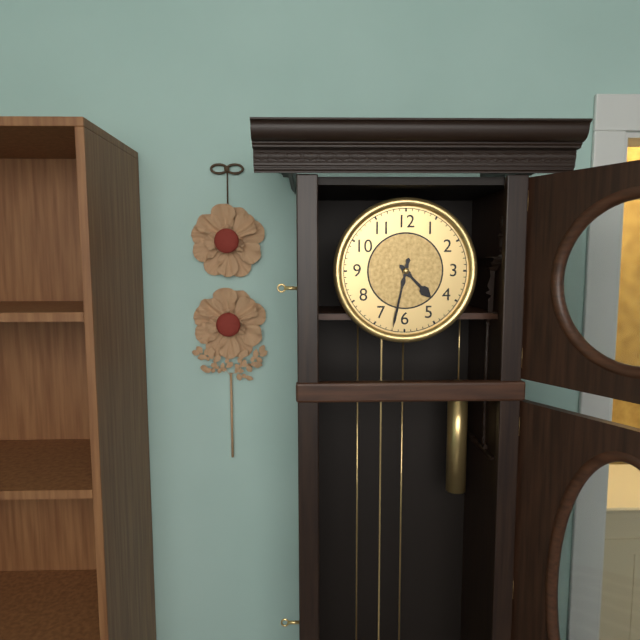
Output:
4,32
